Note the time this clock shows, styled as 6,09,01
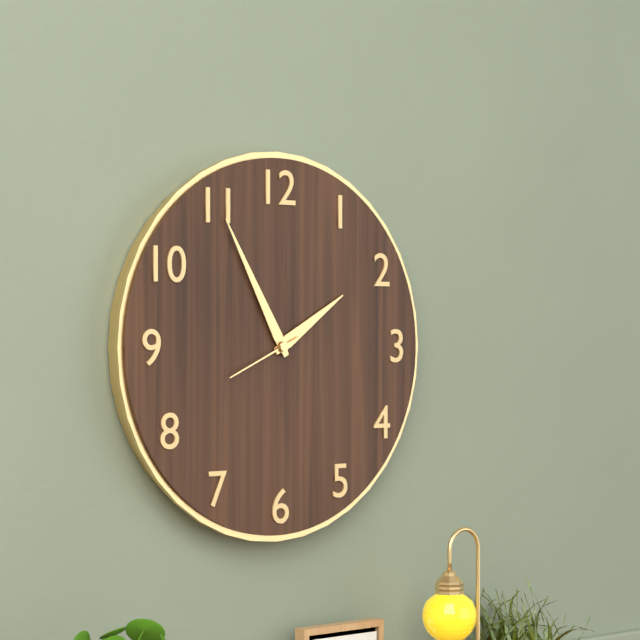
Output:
1,55,41
